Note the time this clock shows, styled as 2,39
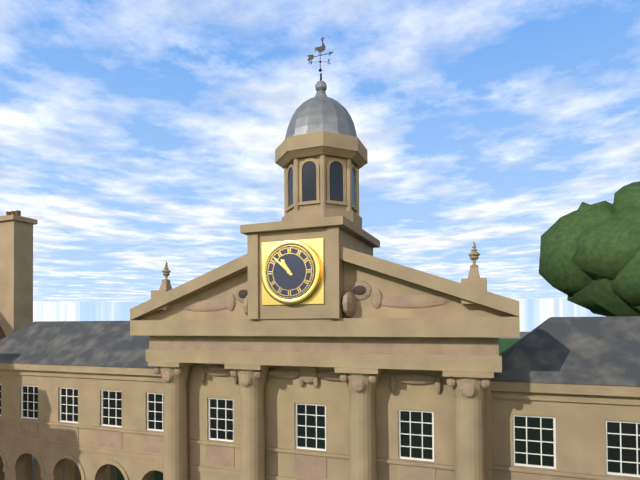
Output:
10,52
